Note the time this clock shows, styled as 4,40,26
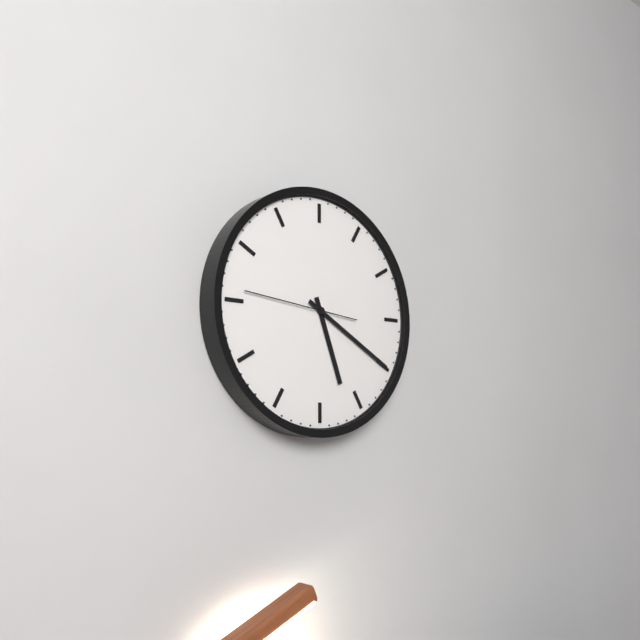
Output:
5,20,46
